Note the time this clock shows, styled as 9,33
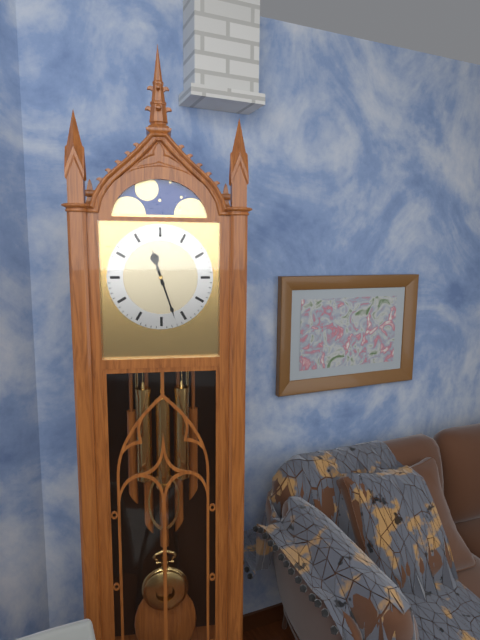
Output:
11,27
